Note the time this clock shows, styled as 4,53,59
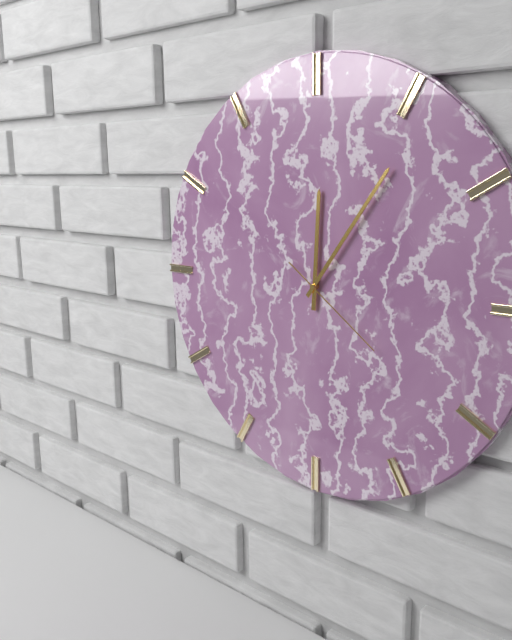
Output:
12,06,21
